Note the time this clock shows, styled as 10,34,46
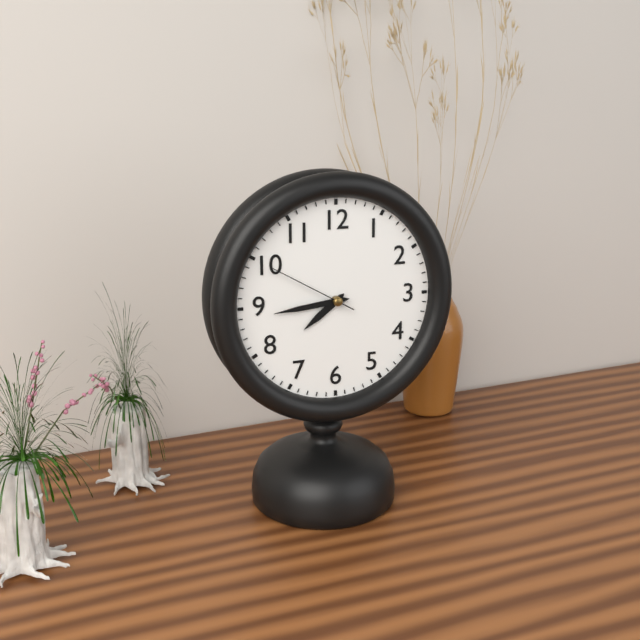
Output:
7,44,50
